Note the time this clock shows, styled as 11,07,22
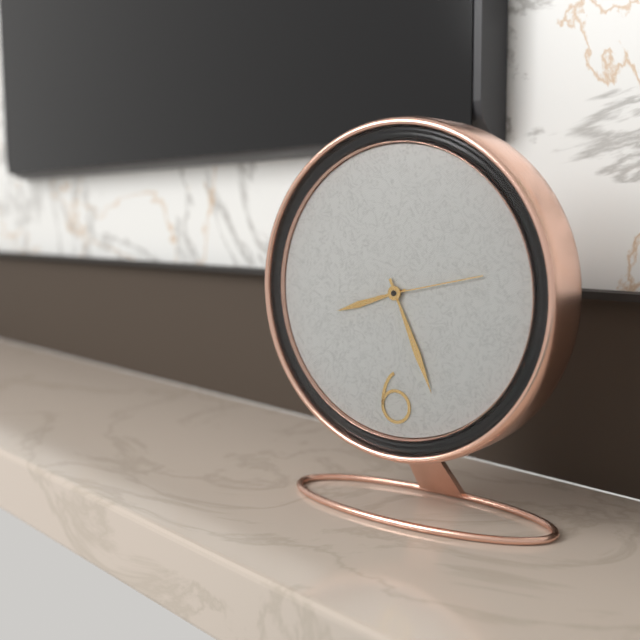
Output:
8,26,13
